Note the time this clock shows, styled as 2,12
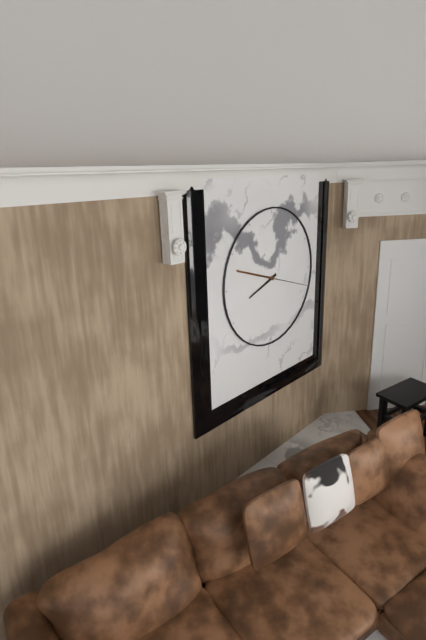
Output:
8,18
